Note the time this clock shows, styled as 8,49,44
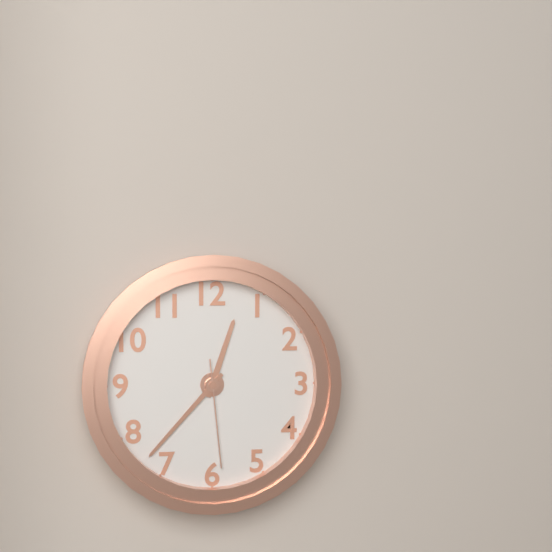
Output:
12,37,29
